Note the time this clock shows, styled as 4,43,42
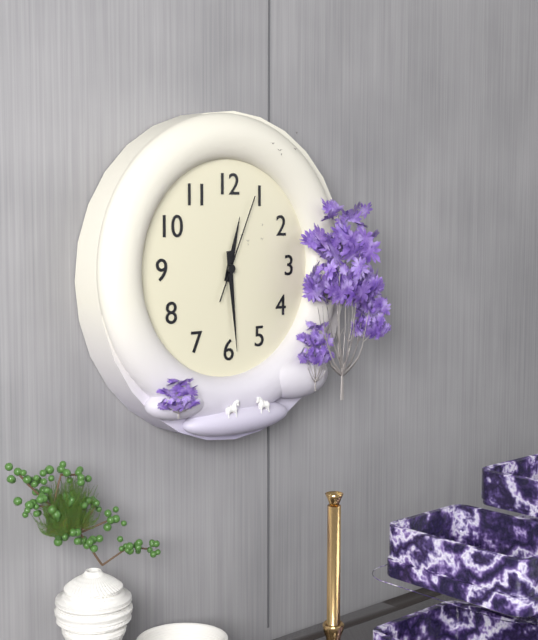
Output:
12,29,04
